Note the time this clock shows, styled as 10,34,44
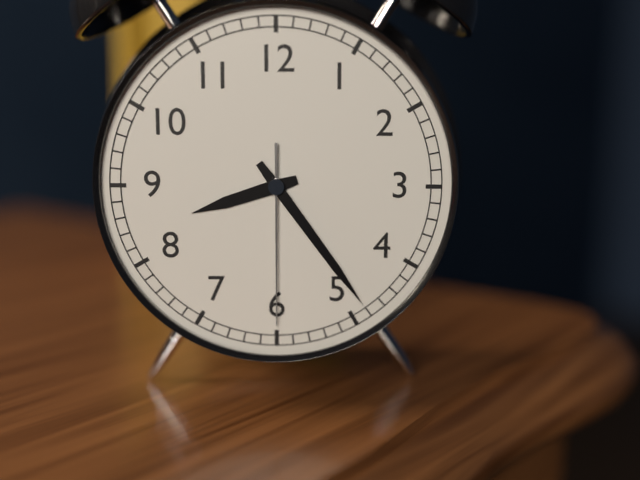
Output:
8,24,30
